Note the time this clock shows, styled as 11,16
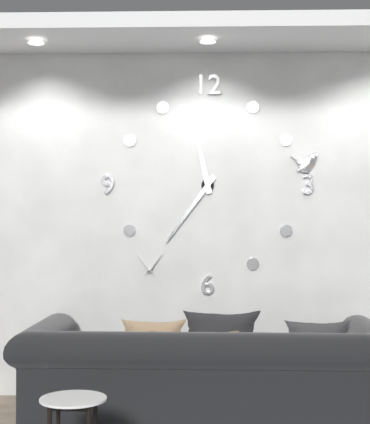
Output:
11,36
